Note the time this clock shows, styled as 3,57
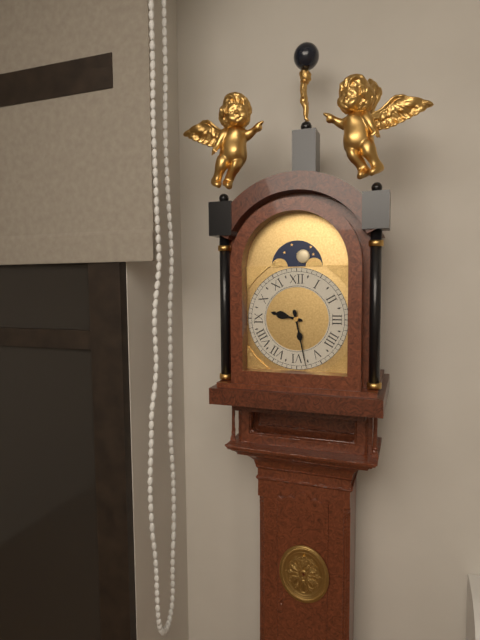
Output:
9,28
